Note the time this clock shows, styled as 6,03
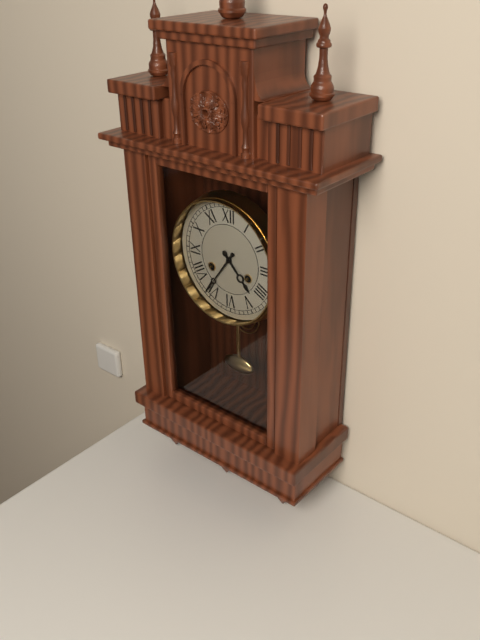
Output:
4,36
